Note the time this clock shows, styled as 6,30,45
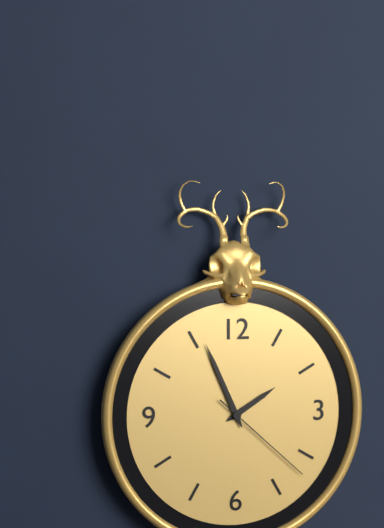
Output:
1,56,22
